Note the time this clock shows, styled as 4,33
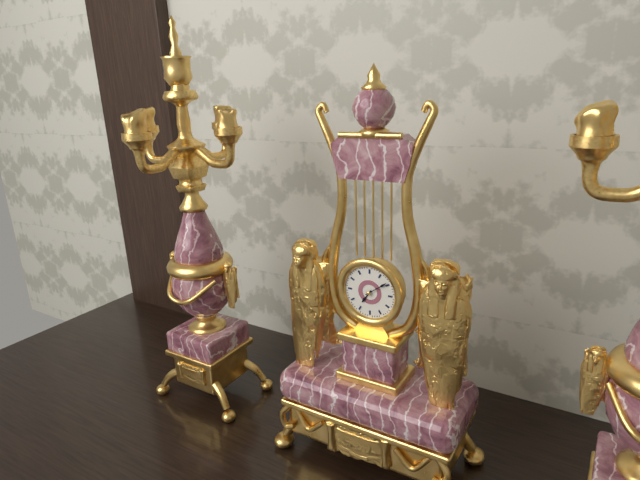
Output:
7,09
